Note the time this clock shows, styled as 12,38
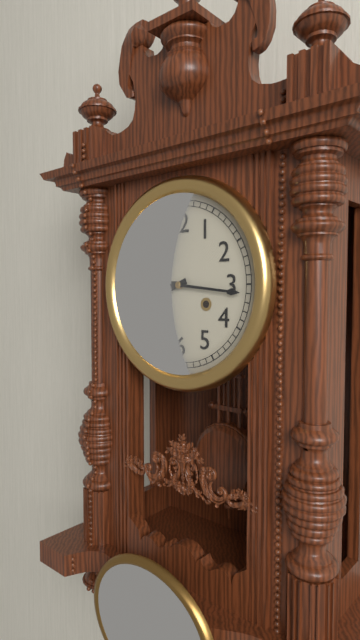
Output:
8,16
